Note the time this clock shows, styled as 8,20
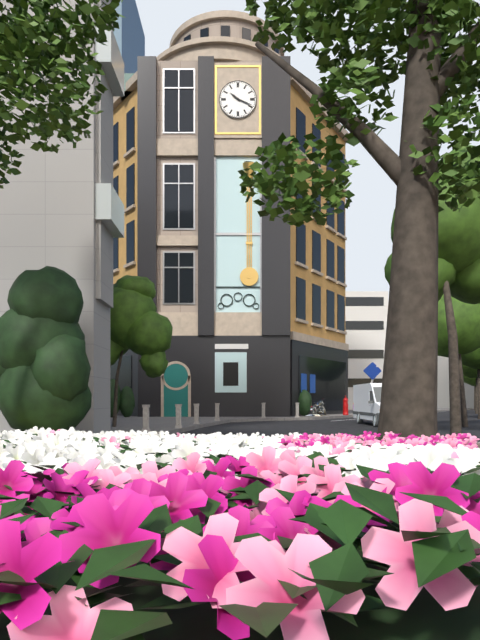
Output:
10,19
